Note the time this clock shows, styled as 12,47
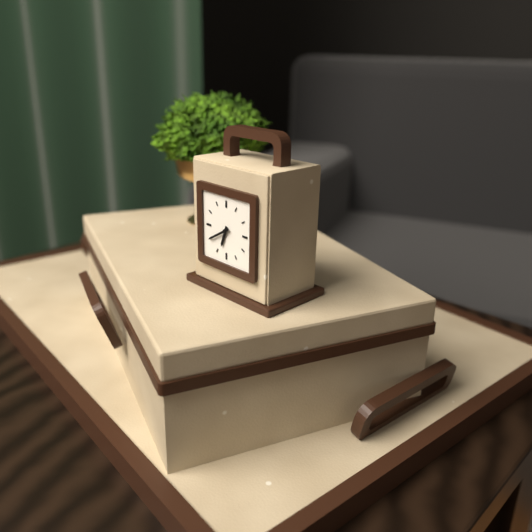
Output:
6,40
